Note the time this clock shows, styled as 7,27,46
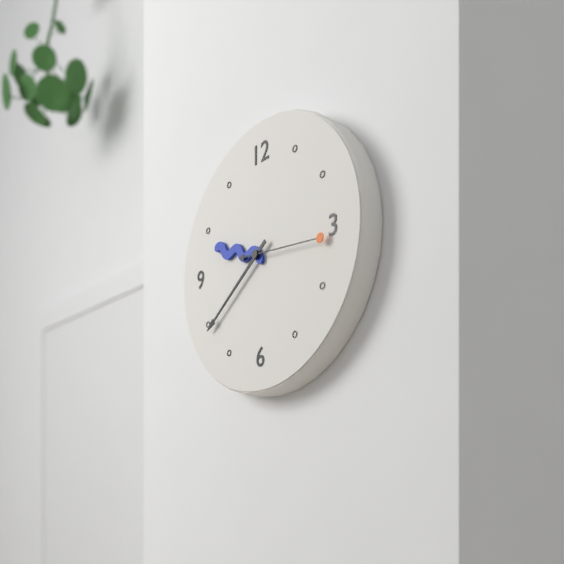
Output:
9,39,16
